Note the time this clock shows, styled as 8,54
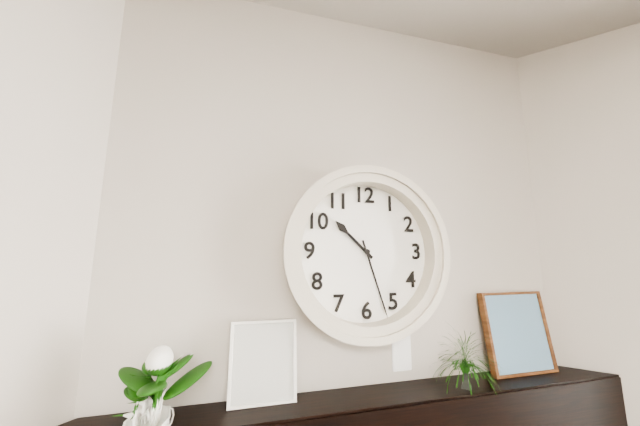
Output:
10,27
